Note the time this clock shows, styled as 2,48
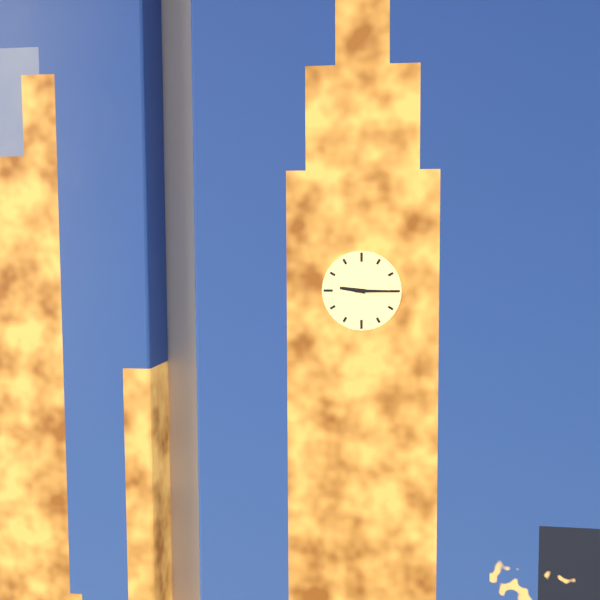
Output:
9,15
